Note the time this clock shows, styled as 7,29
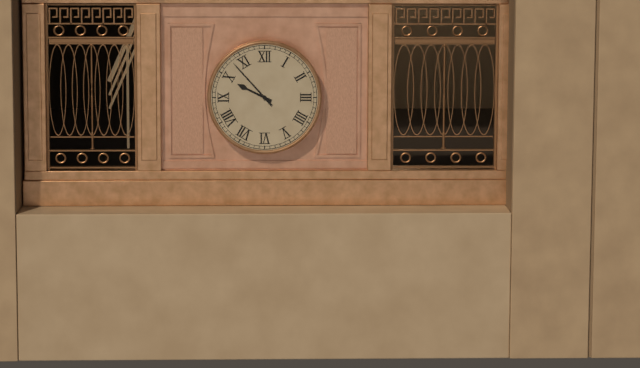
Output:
9,53
